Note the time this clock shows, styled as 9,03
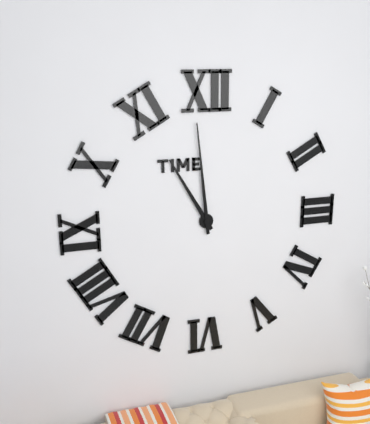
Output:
10,59
